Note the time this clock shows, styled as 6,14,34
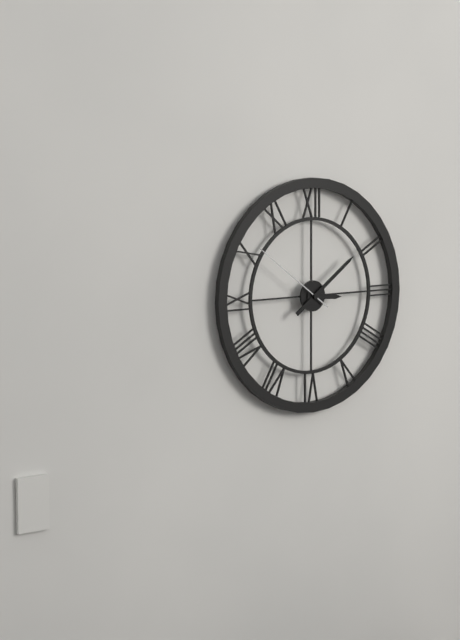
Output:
3,09,51
